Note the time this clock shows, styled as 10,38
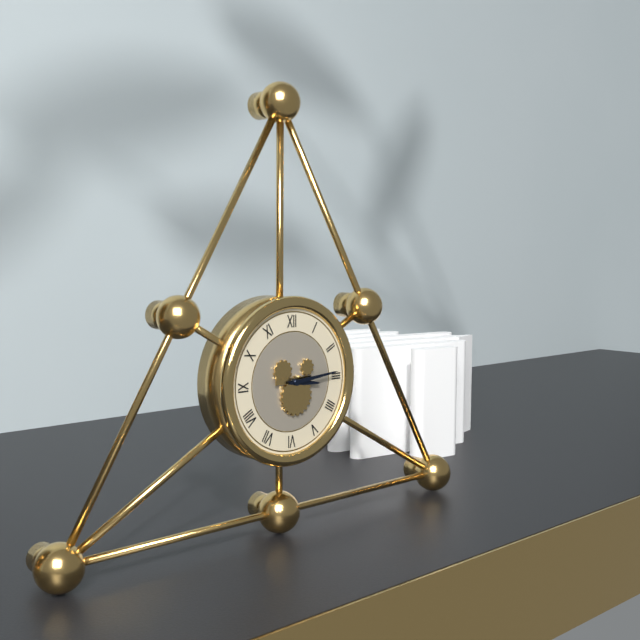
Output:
3,14
